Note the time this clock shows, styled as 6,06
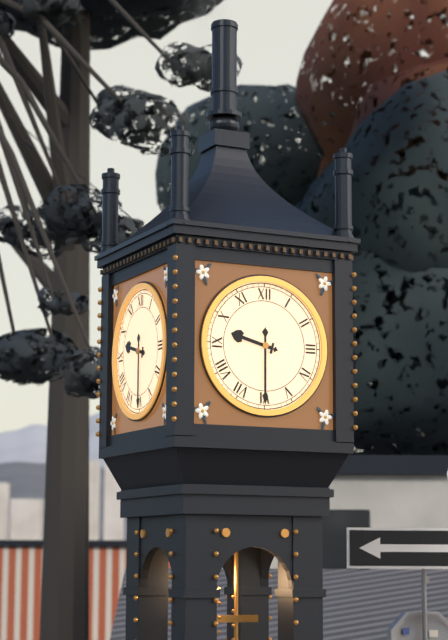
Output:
9,30
